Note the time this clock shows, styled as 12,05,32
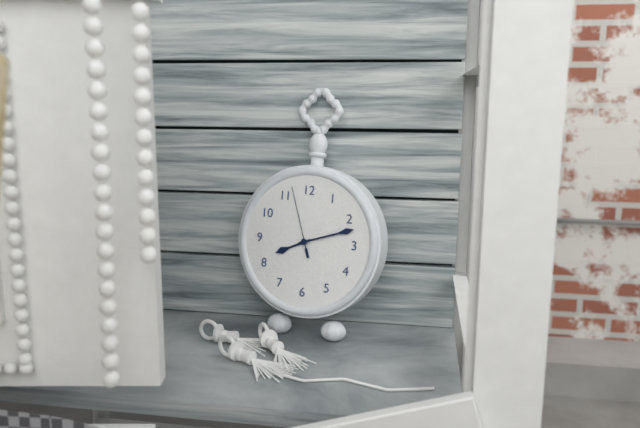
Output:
8,12,57
